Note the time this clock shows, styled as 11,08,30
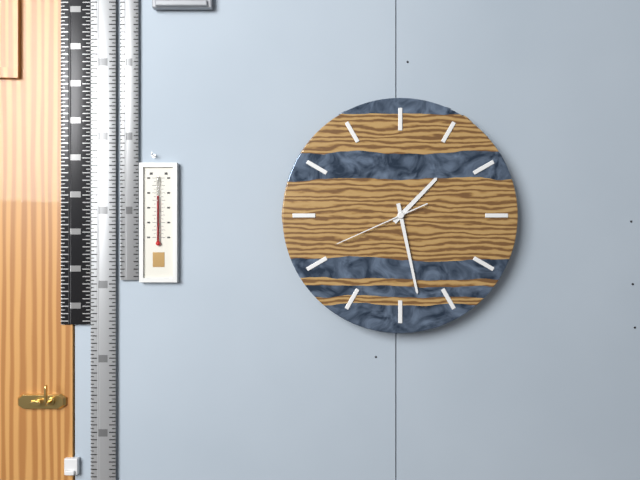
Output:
1,28,41
